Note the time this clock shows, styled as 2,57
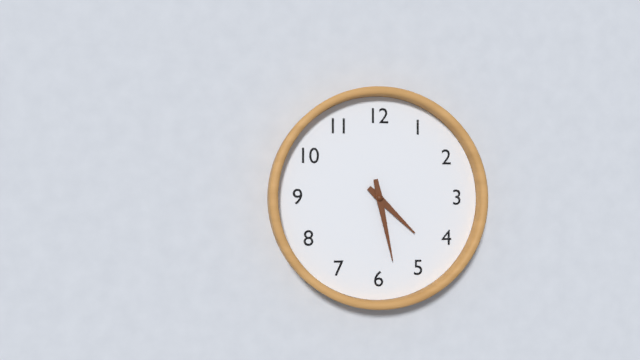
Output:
4,28
